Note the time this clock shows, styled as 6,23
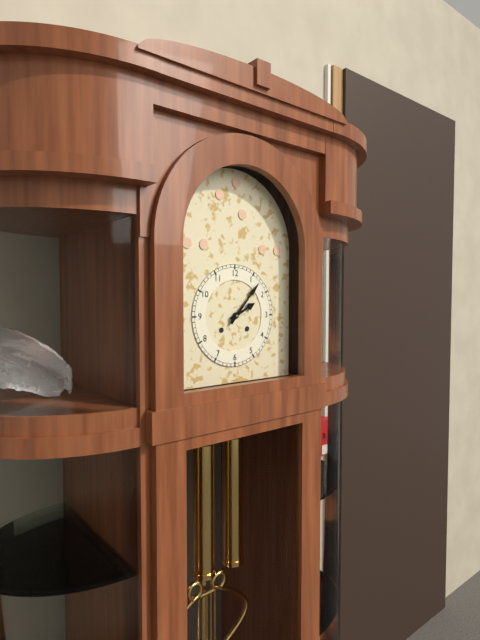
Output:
2,07
